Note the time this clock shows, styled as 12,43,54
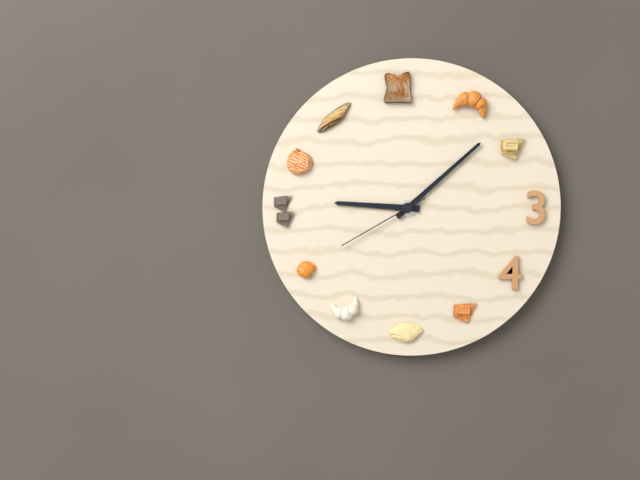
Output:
9,08,40
